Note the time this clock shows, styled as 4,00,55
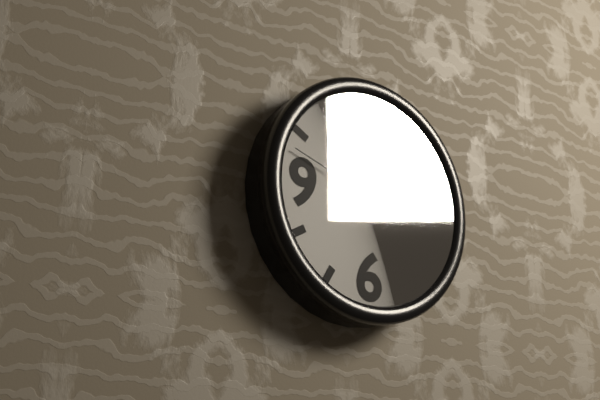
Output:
1,55,48
